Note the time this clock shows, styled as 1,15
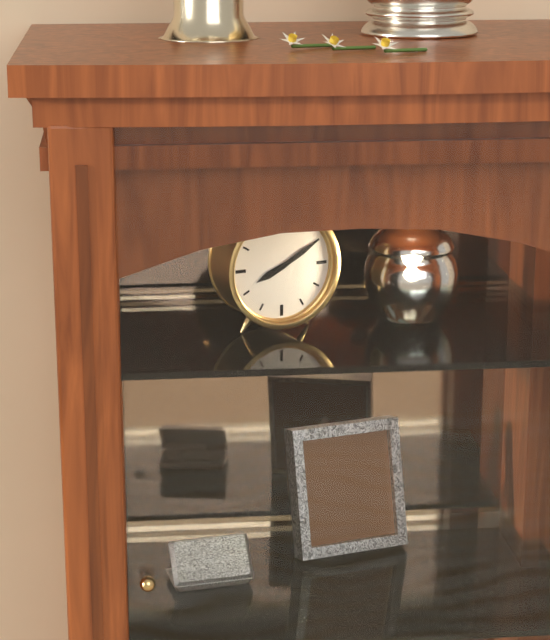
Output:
8,10
